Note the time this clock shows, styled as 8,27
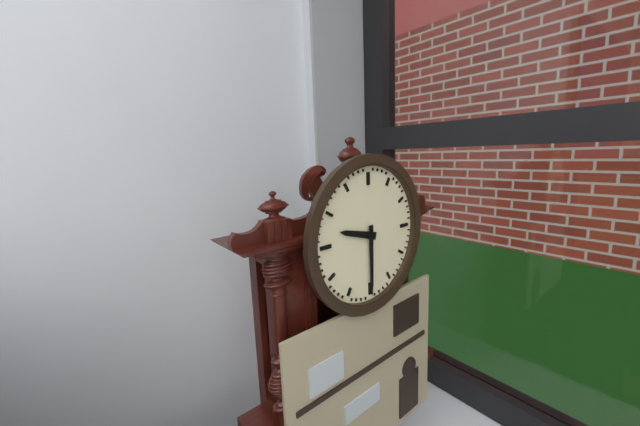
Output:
9,30
